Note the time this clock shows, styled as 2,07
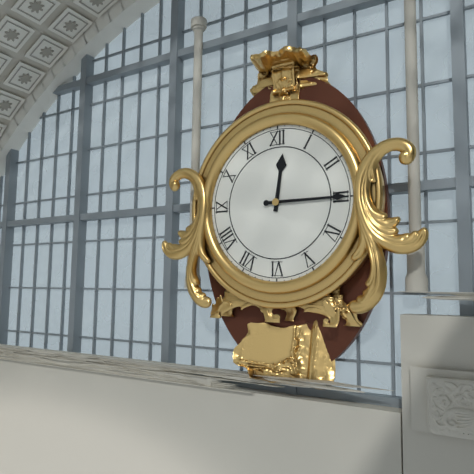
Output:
12,15
